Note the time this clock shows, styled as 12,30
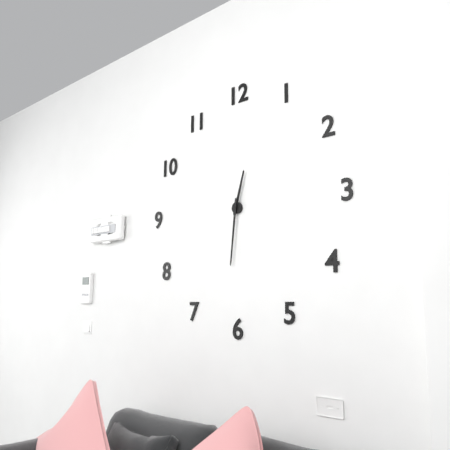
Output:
12,31
